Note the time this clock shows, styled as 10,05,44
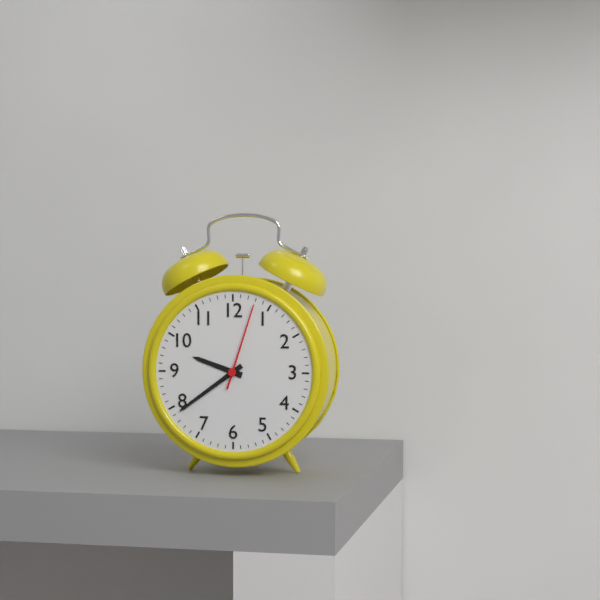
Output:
9,39,03
